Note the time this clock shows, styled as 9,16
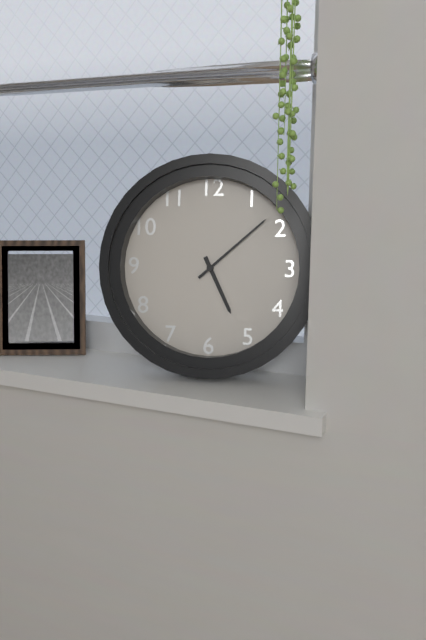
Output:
5,08
